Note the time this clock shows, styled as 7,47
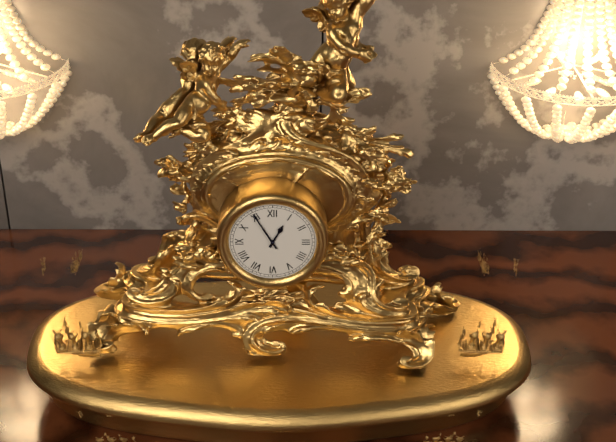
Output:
12,55
